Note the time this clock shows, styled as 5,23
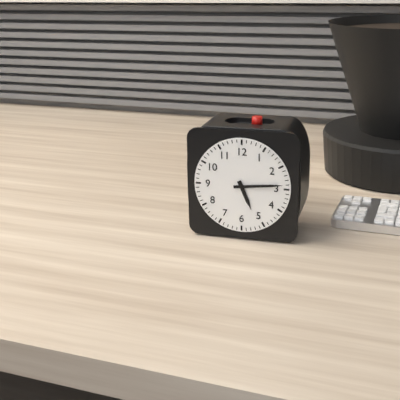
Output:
5,14
